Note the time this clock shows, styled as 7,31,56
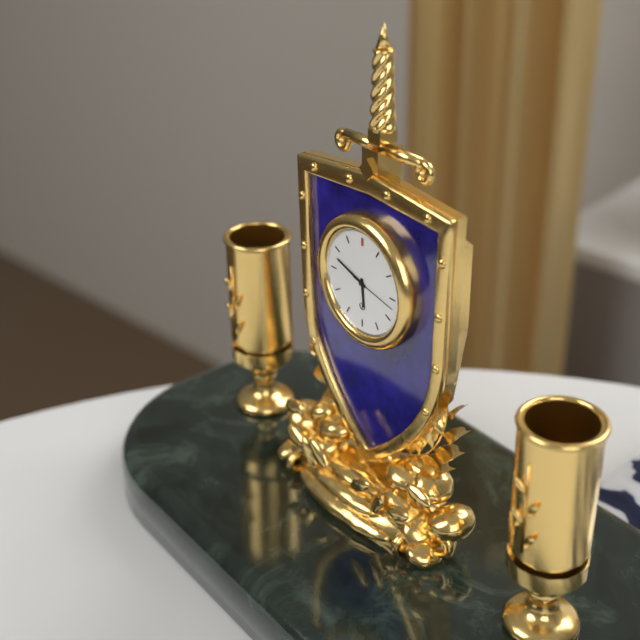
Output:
5,48,17
